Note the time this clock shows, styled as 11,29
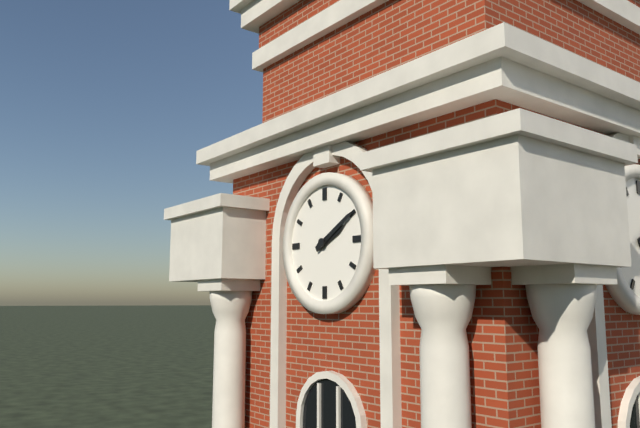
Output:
2,10
